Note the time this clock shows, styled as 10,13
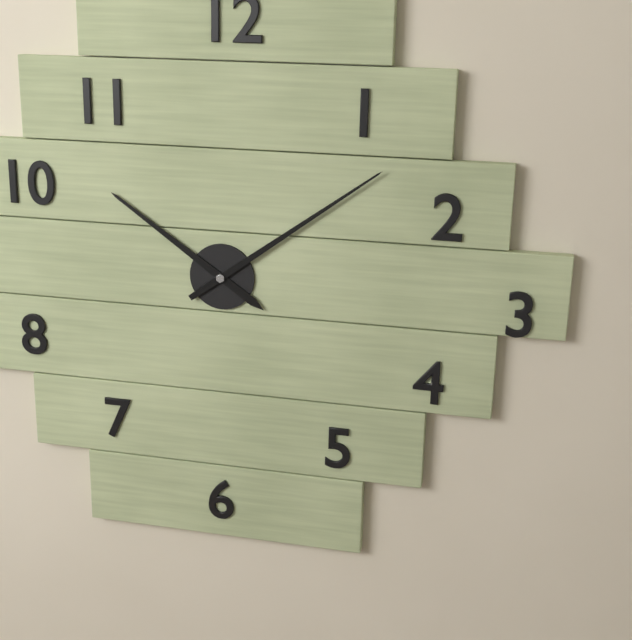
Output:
10,09
